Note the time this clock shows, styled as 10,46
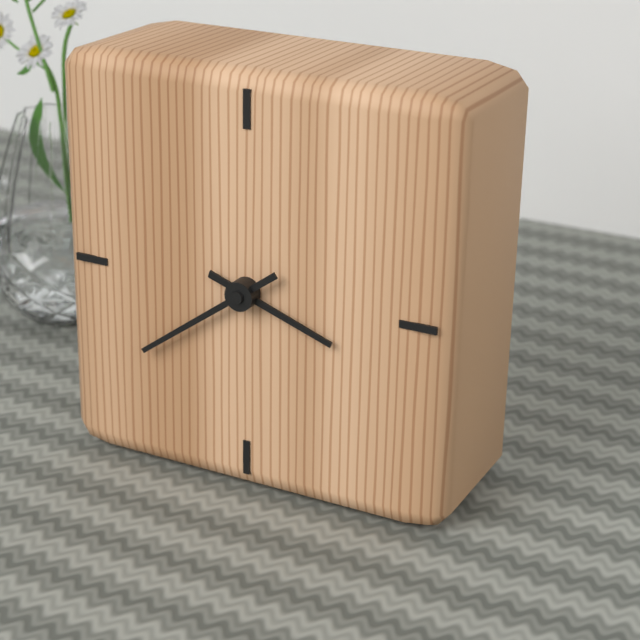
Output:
3,39
